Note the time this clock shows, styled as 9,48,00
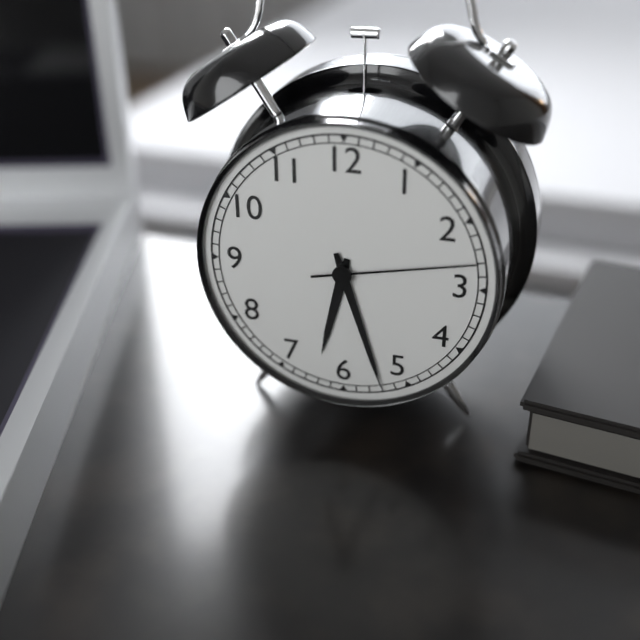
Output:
6,27,13
